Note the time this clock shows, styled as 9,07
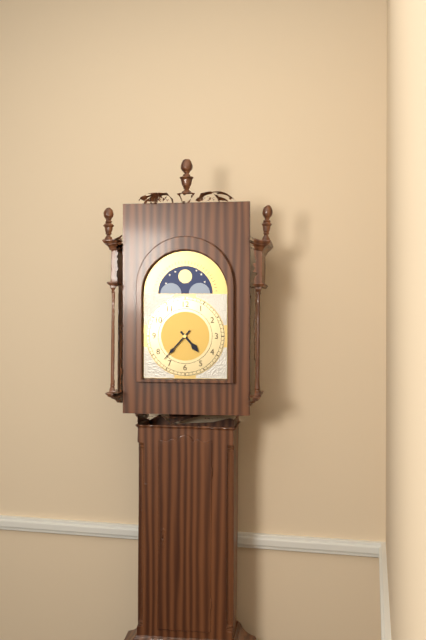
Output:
4,37
